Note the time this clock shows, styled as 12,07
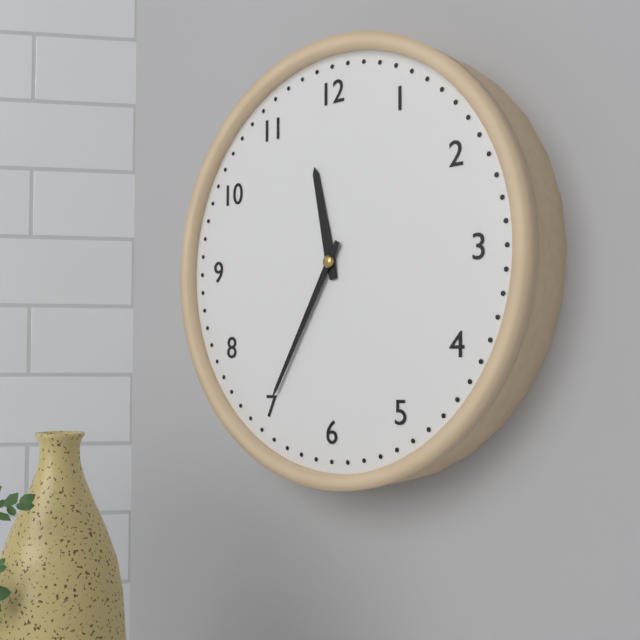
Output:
11,35
